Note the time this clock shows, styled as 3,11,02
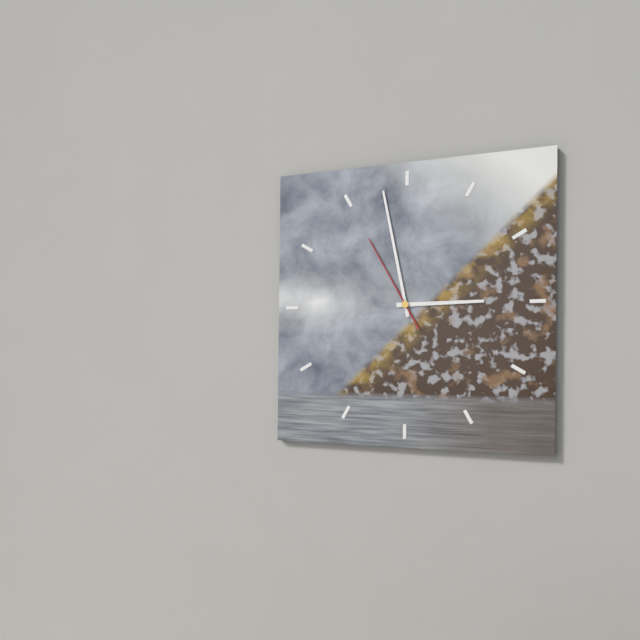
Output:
2,58,55
